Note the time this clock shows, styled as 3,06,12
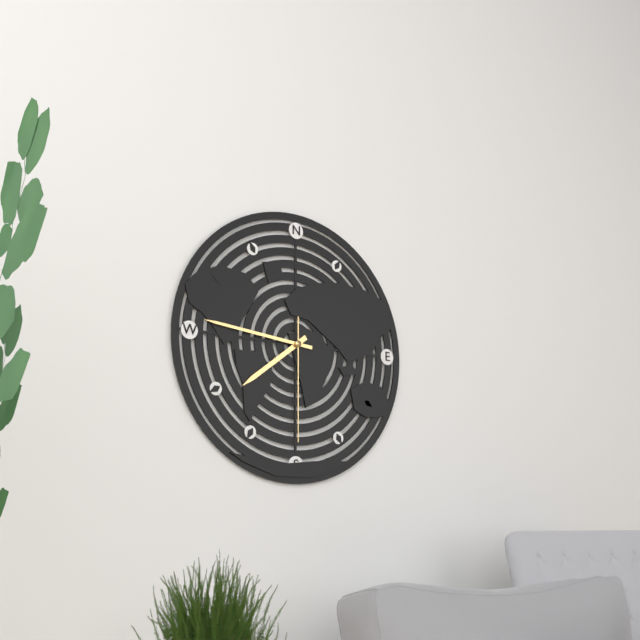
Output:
7,46,30
